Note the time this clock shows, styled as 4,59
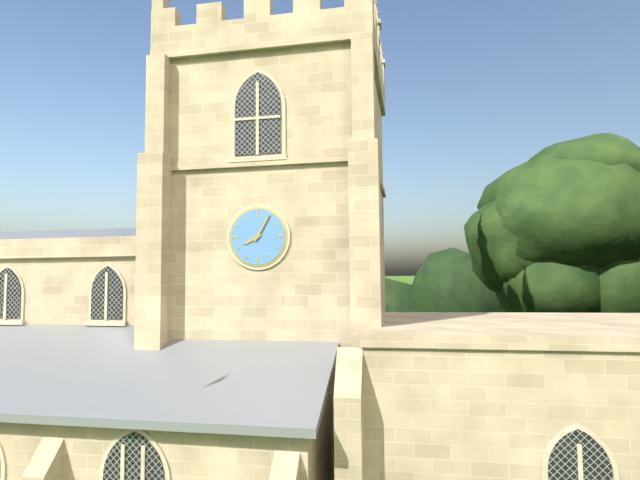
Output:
8,05
